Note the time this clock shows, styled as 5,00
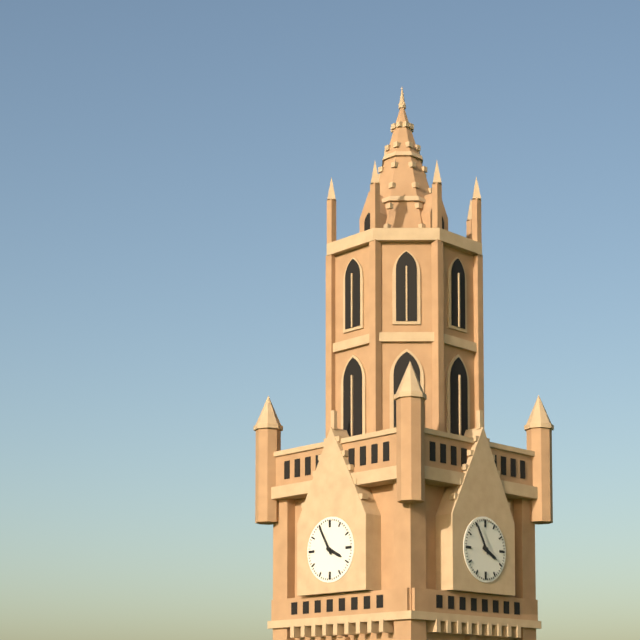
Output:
3,55
